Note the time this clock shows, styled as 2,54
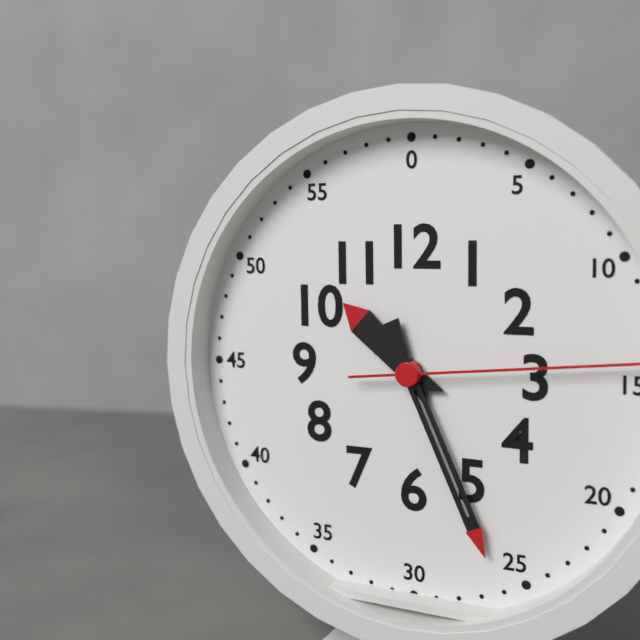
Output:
10,26
